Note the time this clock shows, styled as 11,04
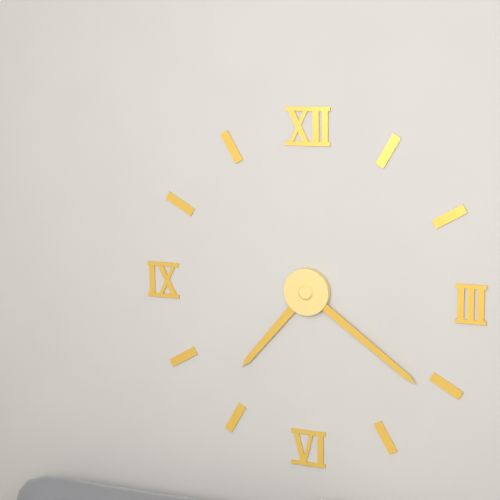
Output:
7,21
